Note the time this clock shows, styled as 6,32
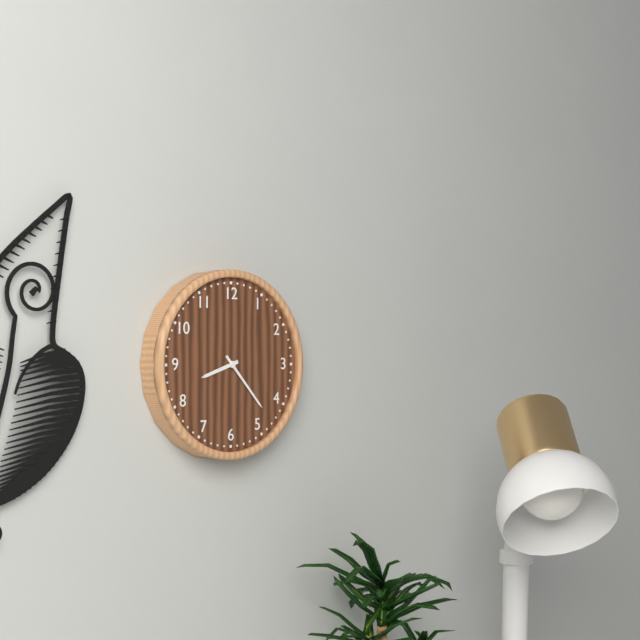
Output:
8,23
